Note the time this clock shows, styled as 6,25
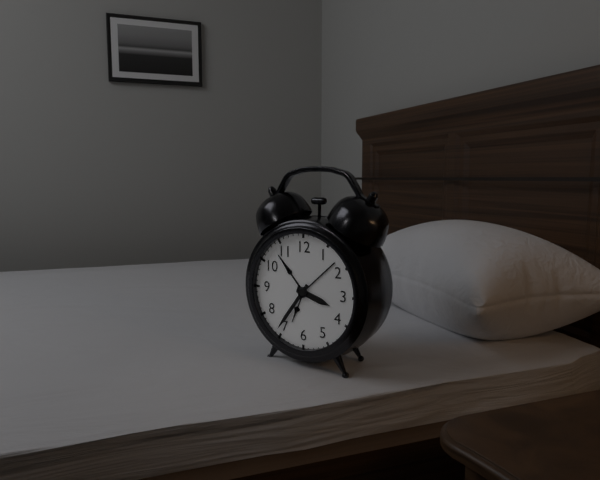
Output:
3,36
